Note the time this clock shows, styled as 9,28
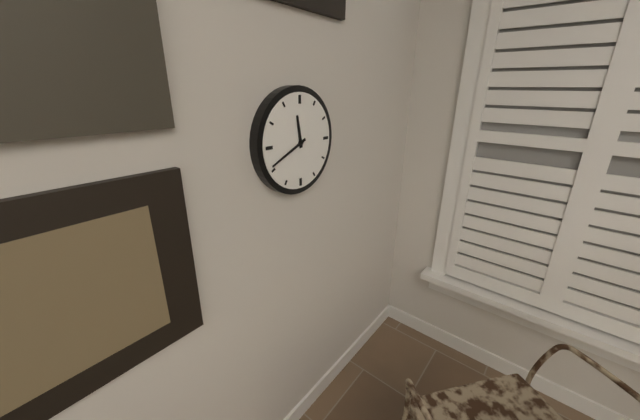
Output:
11,41
